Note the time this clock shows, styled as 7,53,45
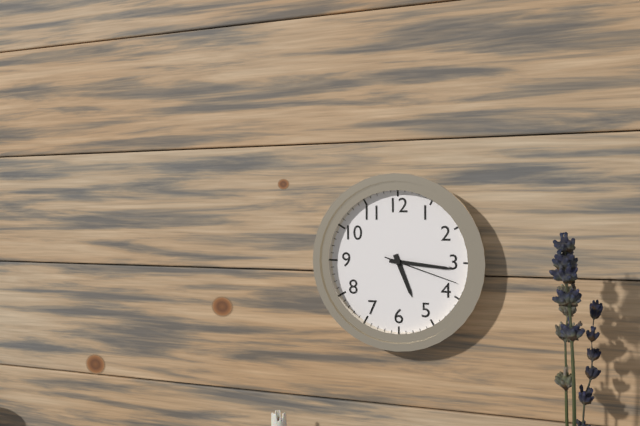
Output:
5,16,18
